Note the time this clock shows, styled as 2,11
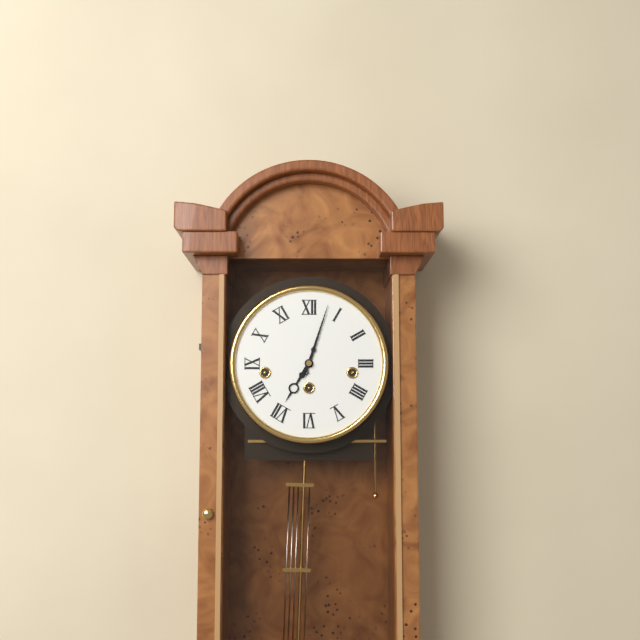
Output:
7,03
